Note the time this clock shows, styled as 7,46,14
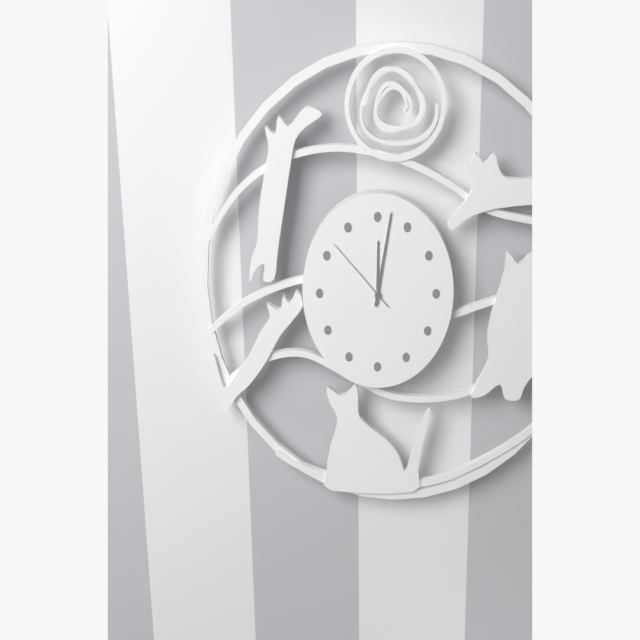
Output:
12,02,52
